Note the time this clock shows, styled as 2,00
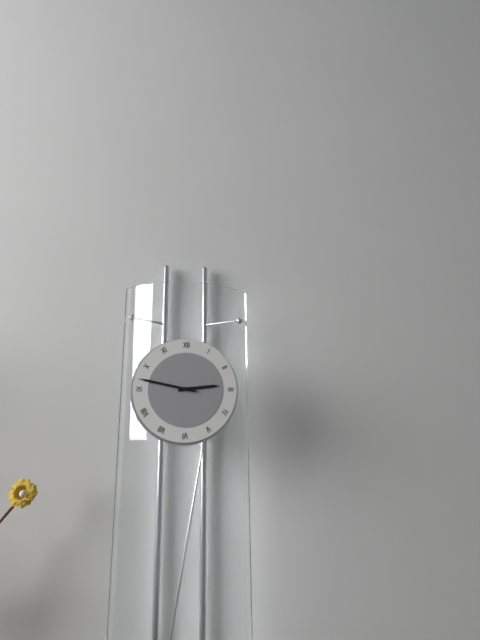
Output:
2,47
